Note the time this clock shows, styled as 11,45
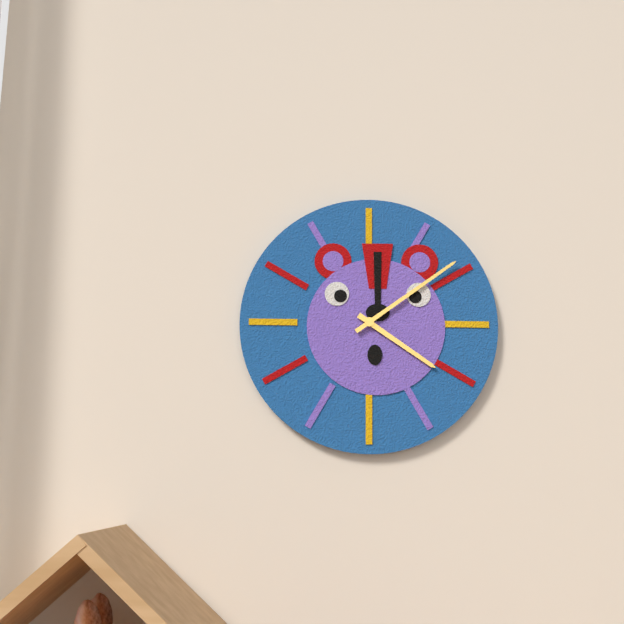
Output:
4,09
